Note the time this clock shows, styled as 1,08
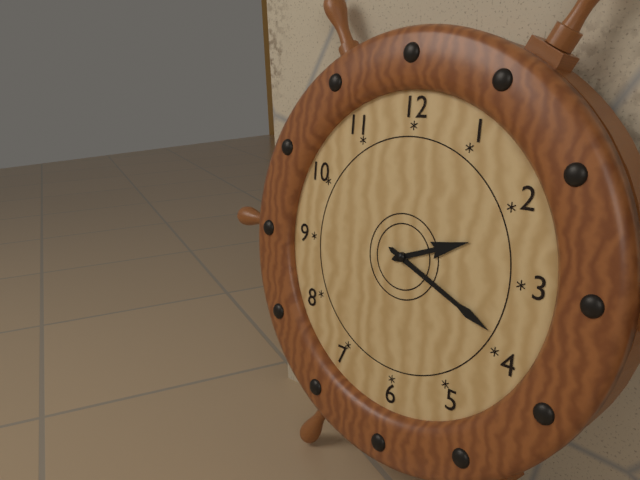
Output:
2,19
